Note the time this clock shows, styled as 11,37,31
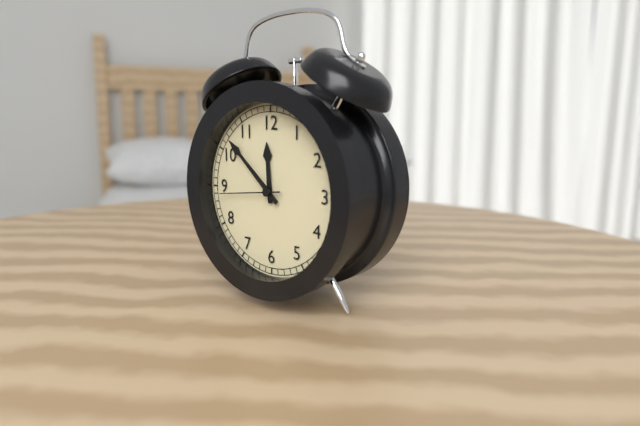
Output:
11,52,44
